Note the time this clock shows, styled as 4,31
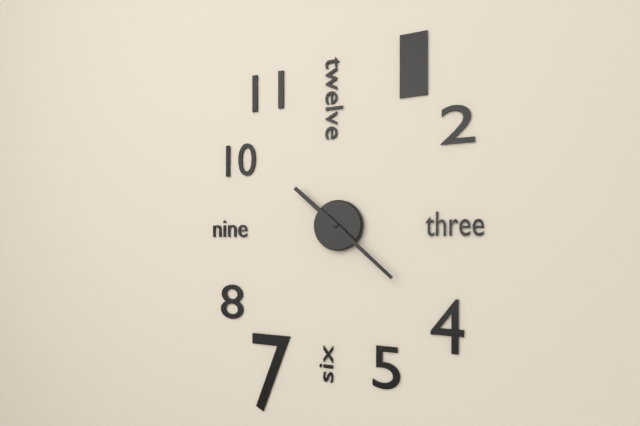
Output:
10,22
